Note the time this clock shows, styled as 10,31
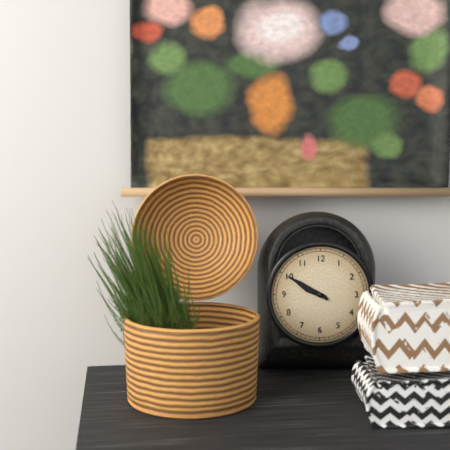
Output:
9,50
